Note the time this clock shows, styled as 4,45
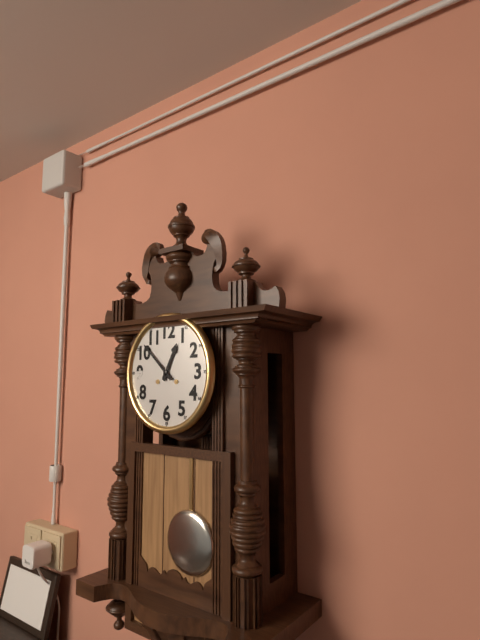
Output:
12,52
